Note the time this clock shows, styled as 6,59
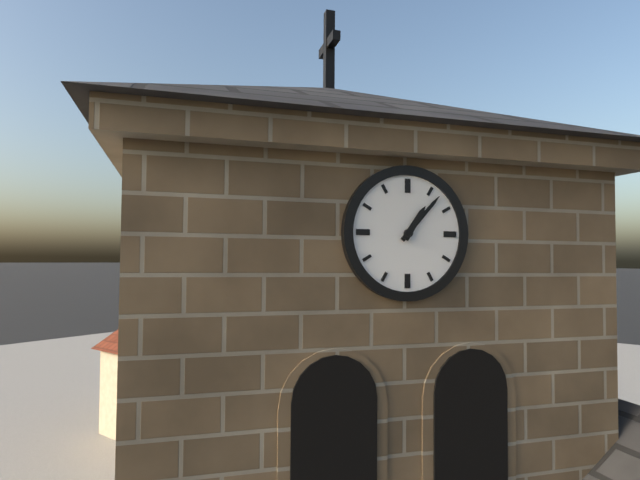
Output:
1,07
